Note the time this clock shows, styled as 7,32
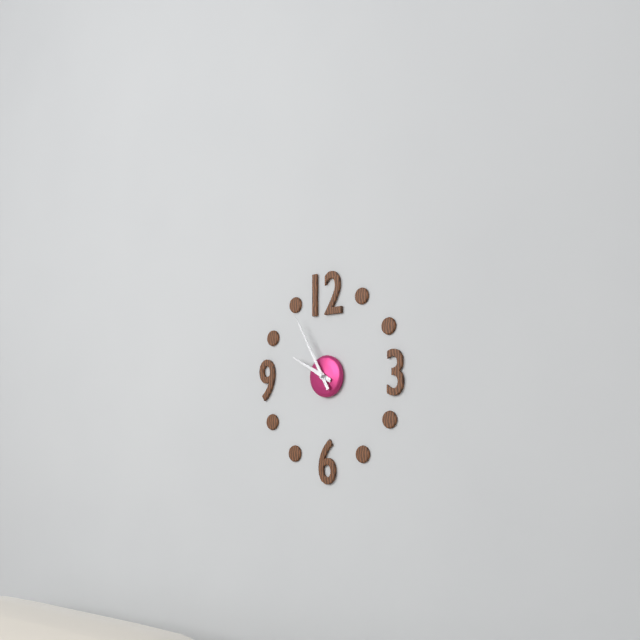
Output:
9,55
